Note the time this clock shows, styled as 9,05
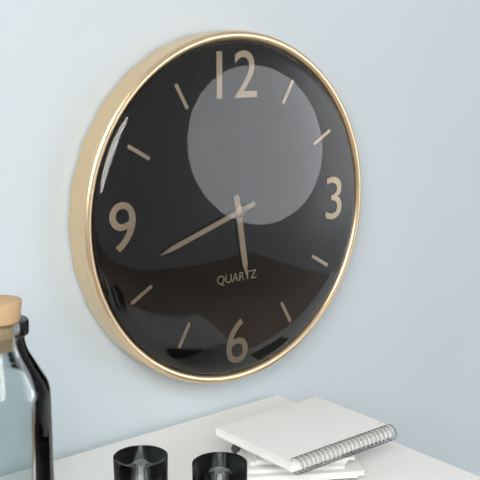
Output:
5,42
